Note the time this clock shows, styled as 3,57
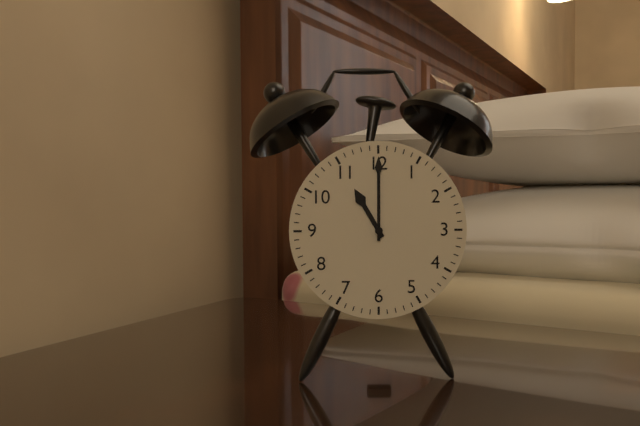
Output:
11,00
